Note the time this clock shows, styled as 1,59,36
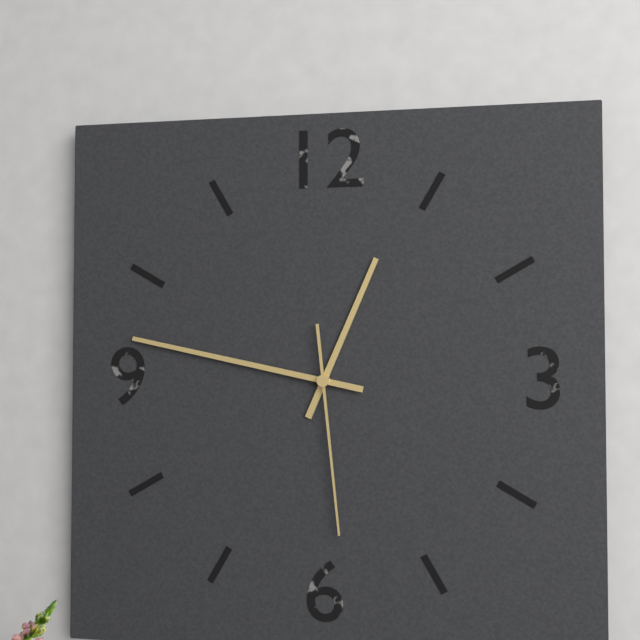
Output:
12,47,29
